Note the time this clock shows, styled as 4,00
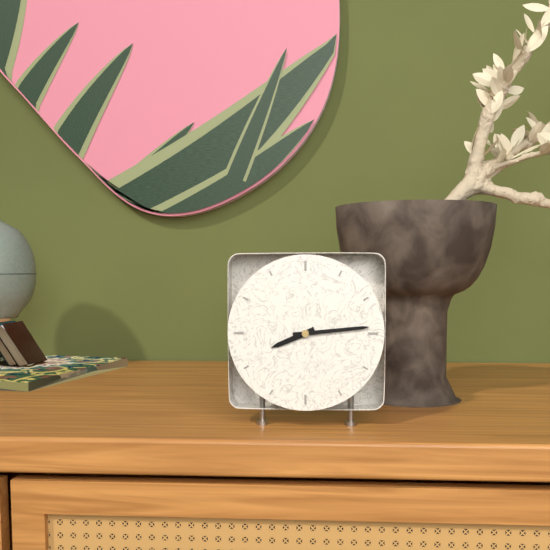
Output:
8,14
